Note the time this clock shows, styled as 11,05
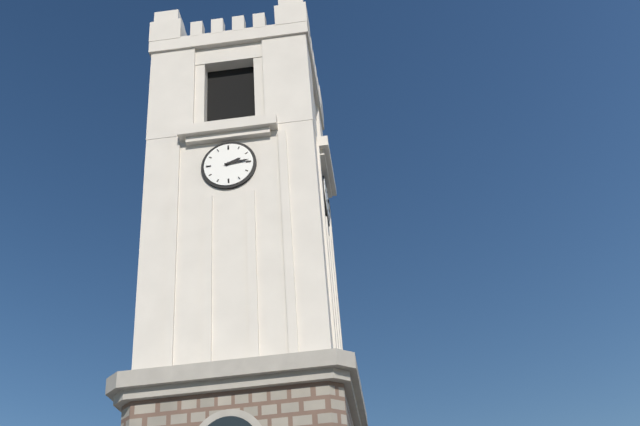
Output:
2,14
